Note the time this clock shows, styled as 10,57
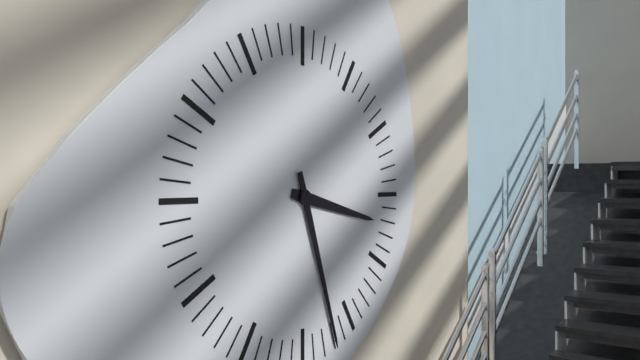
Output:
3,27
